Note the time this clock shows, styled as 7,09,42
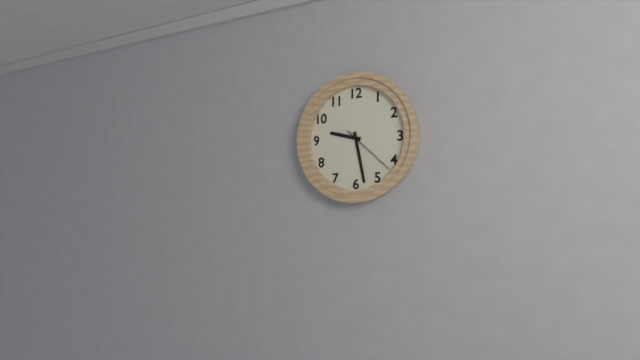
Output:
9,28,22
